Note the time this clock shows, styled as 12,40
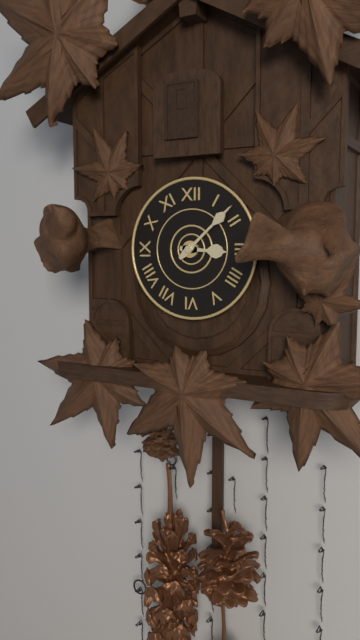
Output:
3,08
